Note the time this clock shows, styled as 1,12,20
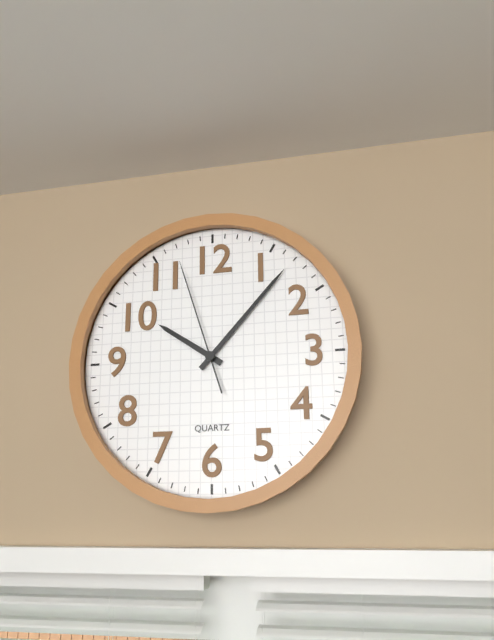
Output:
10,07,57
